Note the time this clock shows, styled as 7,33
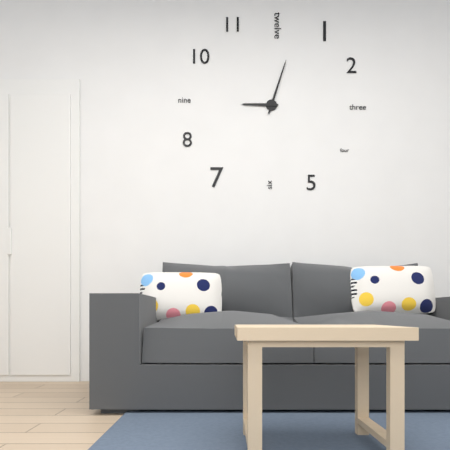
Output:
9,03
